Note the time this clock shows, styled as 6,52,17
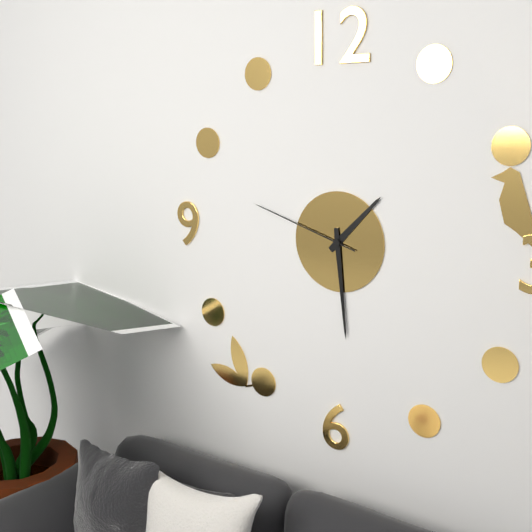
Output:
1,29,48
